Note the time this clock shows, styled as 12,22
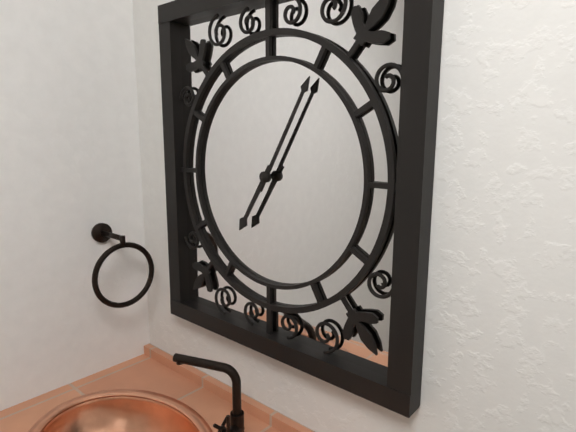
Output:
7,05
